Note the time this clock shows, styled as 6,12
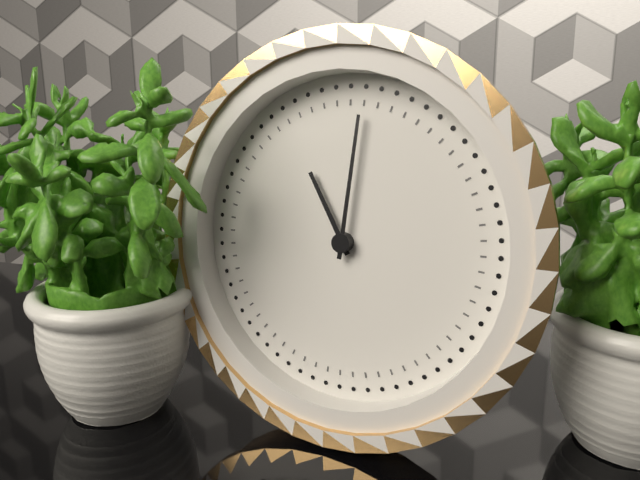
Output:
11,01
